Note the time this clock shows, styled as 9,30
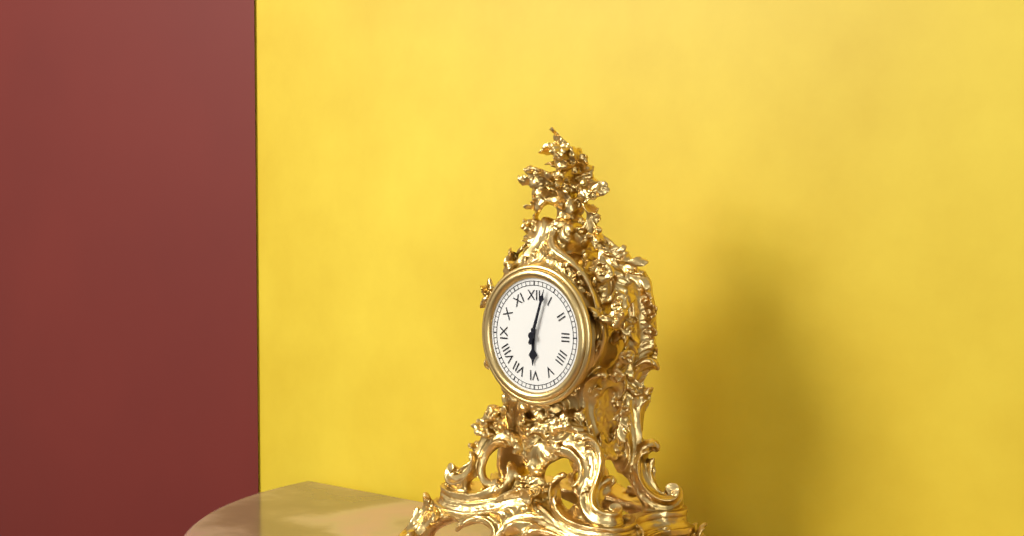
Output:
6,03
